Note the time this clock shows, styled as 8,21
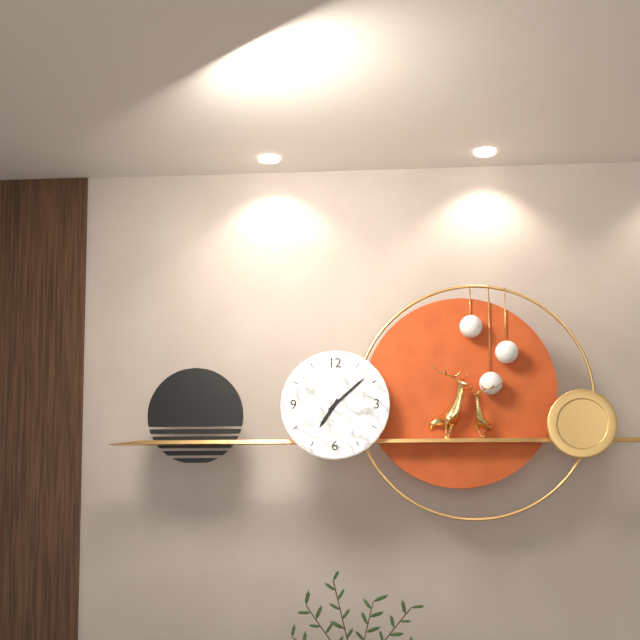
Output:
7,08
